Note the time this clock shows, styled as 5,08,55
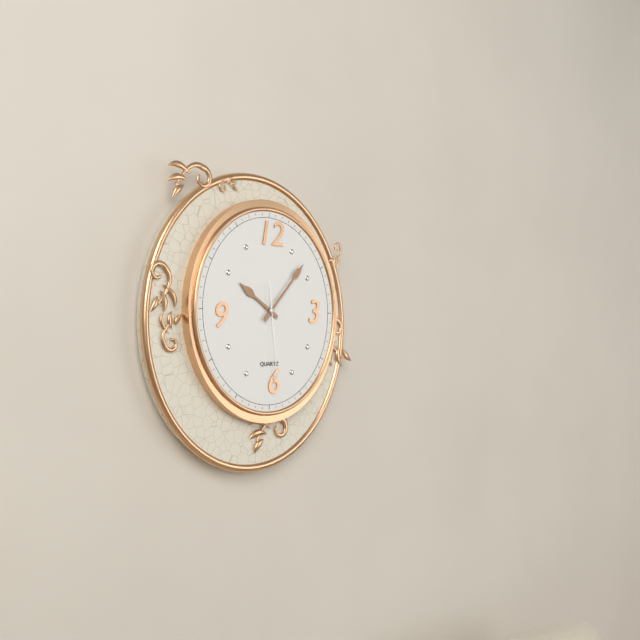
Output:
10,07,29
